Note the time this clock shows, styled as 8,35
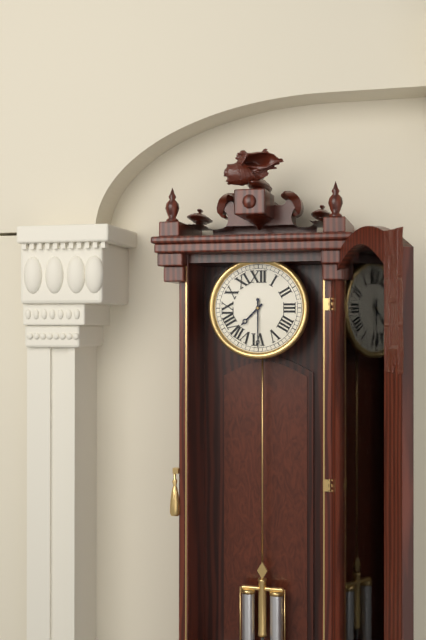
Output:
7,30
